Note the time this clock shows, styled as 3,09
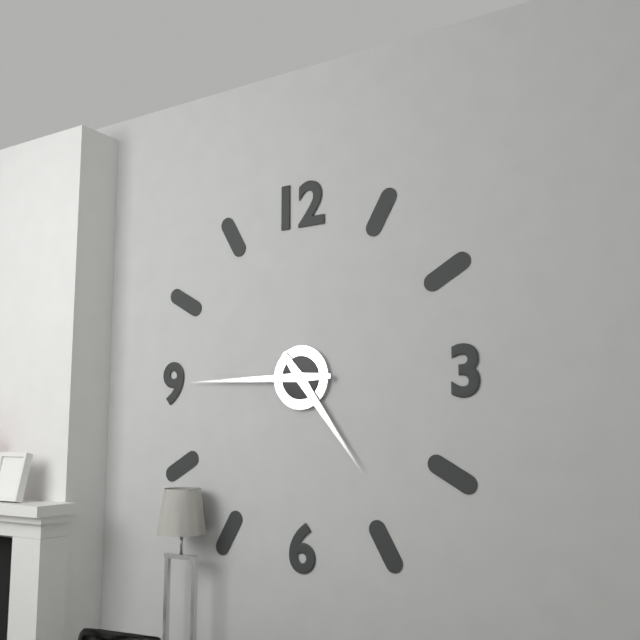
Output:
4,45
